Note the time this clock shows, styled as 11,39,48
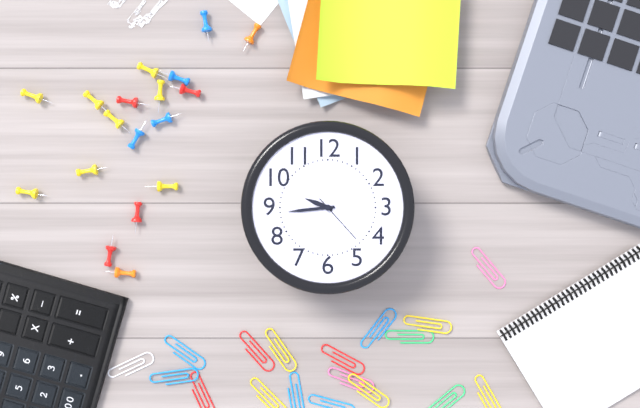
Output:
9,44,23
